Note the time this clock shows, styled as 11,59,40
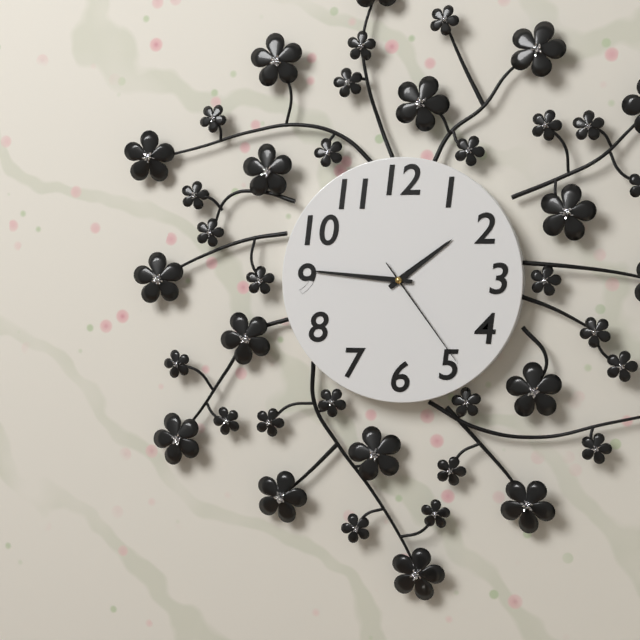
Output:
1,46,24
